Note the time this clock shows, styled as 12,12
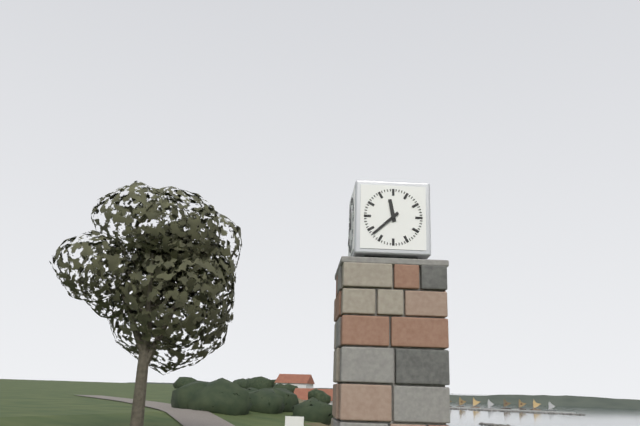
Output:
11,38
